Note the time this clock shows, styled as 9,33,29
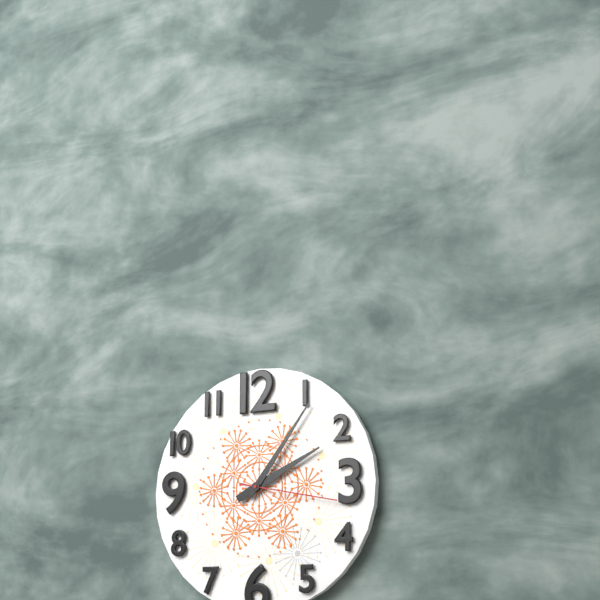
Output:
2,06,17
